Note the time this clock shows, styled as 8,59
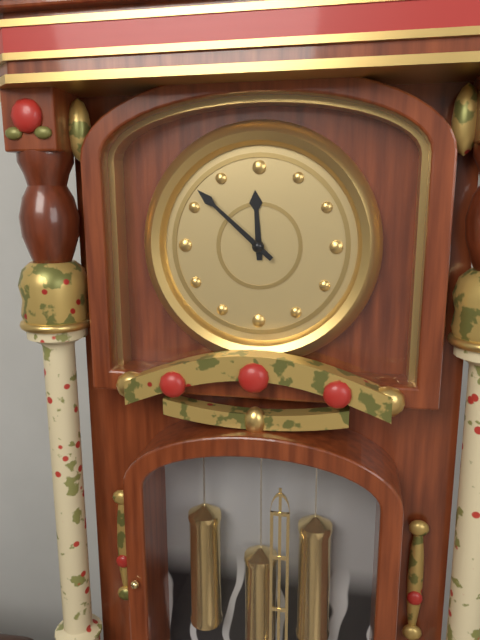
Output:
11,52
